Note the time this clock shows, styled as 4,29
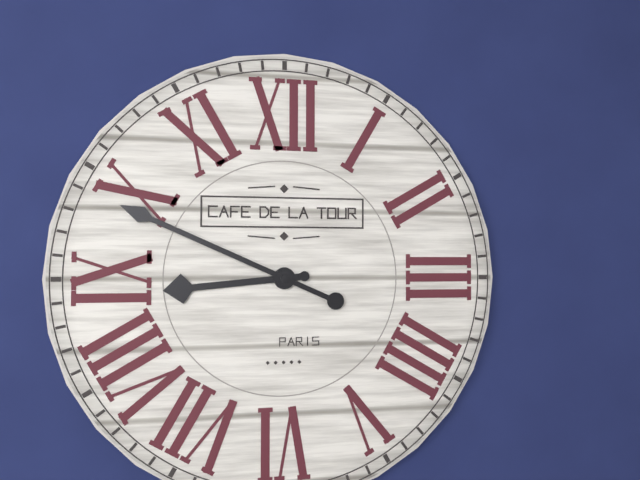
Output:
8,49
